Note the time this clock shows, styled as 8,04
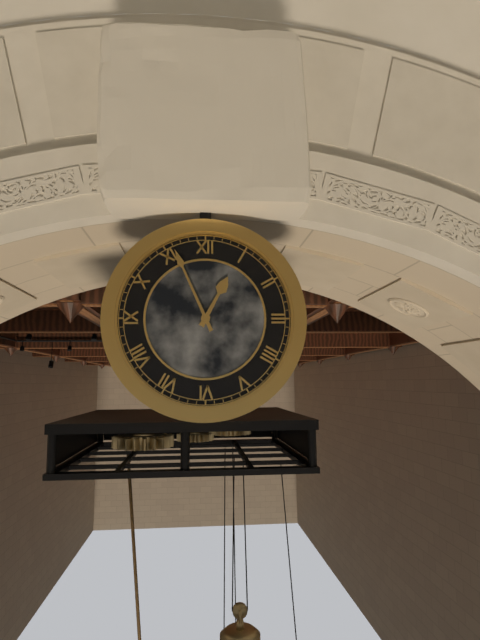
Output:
12,56
